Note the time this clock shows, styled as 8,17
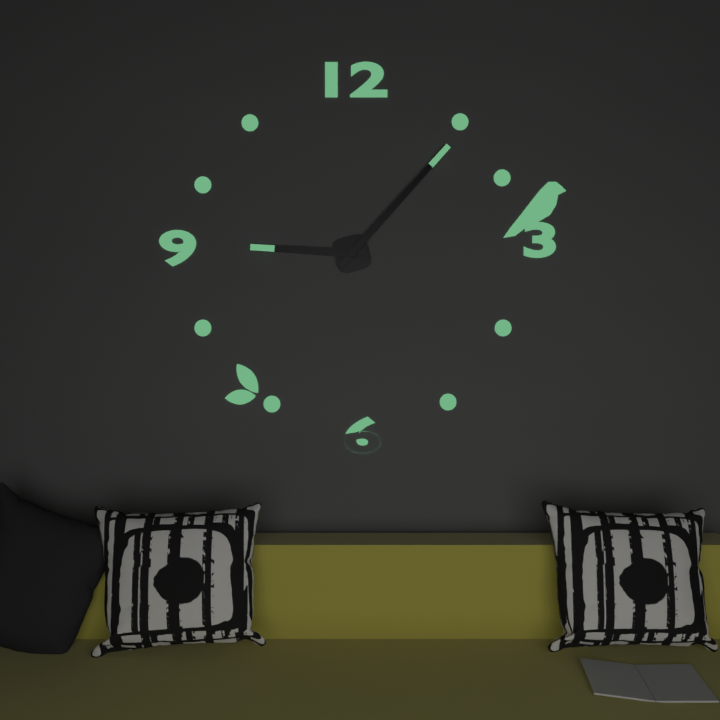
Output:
9,07
